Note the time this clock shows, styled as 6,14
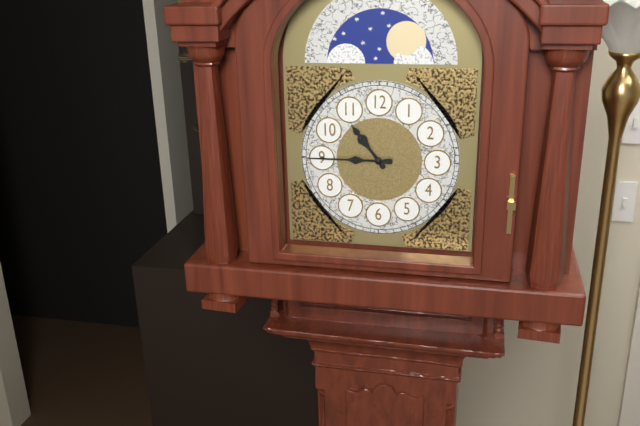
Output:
10,45
